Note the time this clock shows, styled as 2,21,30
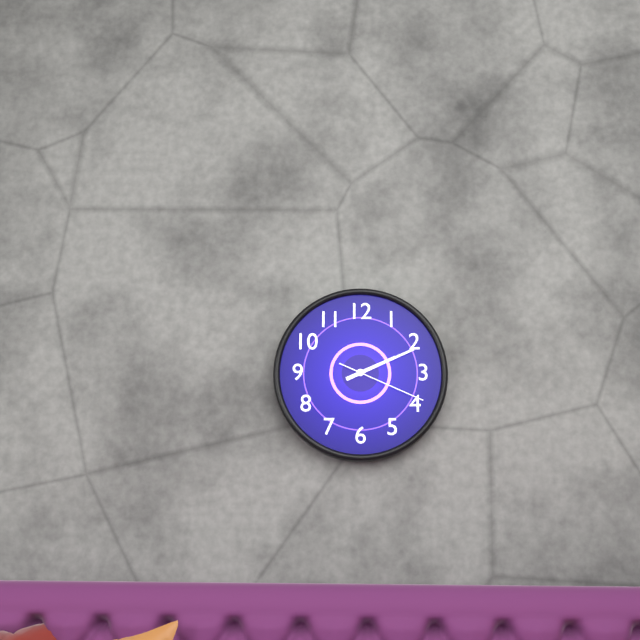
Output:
2,11,19
